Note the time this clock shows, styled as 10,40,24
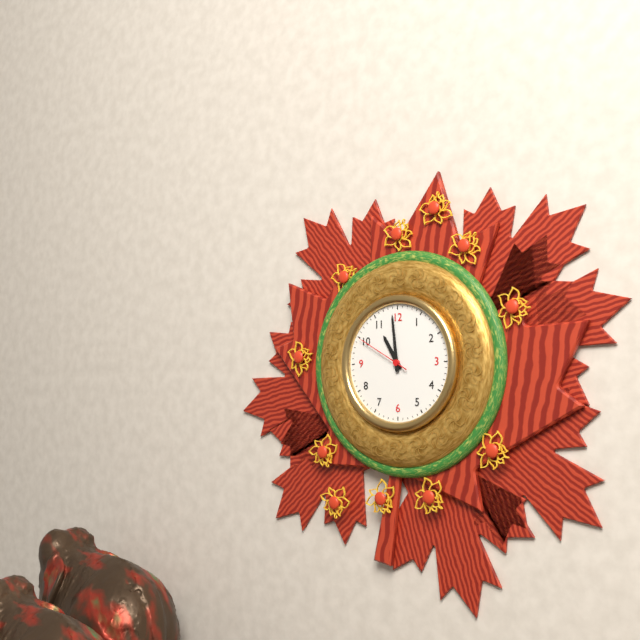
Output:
10,59,50
